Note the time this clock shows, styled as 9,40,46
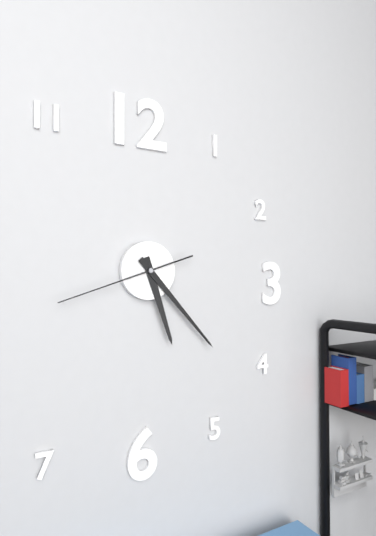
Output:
5,23,42
